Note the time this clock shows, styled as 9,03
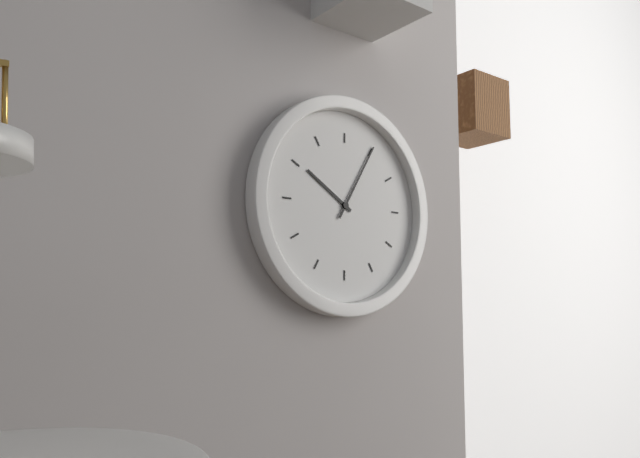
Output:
10,05
